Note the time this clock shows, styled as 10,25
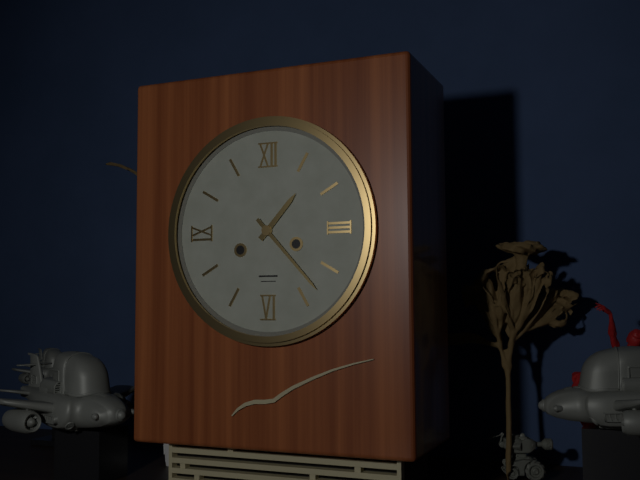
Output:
1,23
